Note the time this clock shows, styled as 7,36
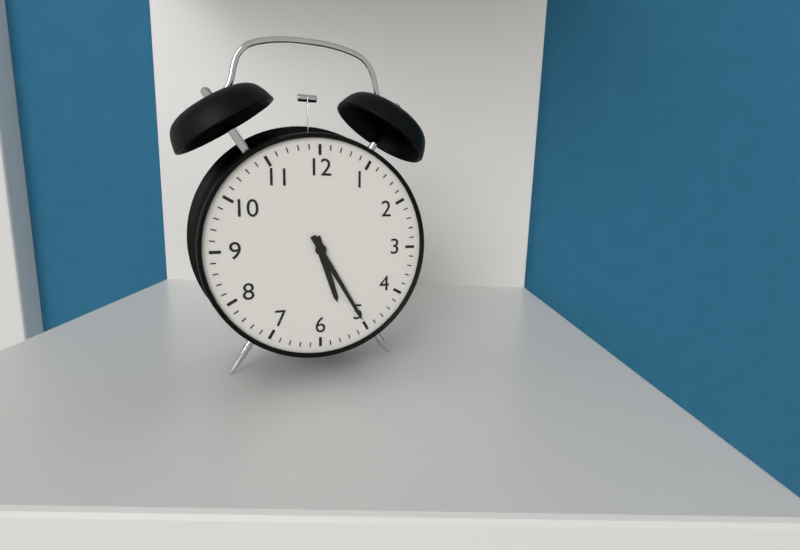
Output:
5,25
